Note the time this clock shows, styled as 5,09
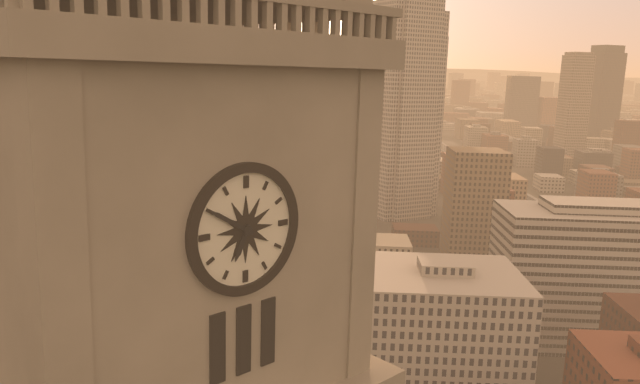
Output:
6,50
